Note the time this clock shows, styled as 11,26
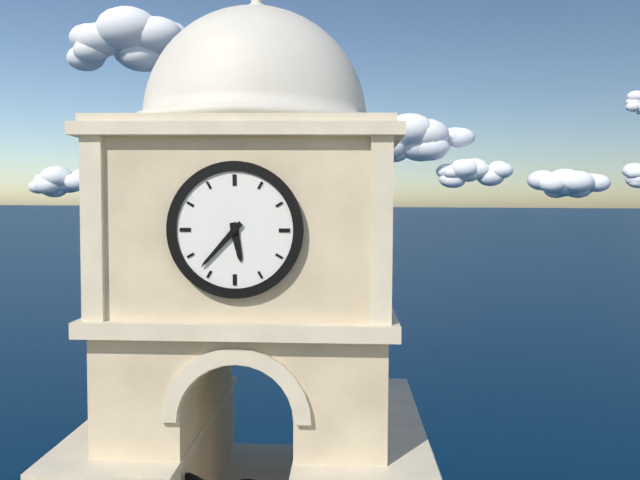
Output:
5,37
